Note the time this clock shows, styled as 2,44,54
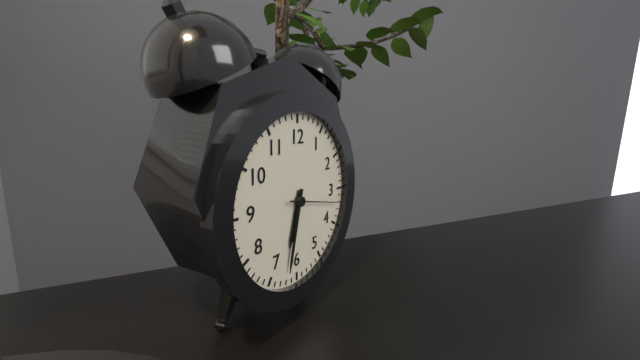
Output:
6,32,17
